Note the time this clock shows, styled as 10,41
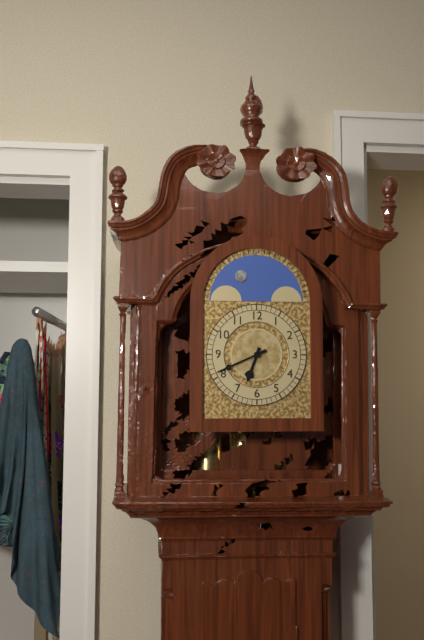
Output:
6,41
